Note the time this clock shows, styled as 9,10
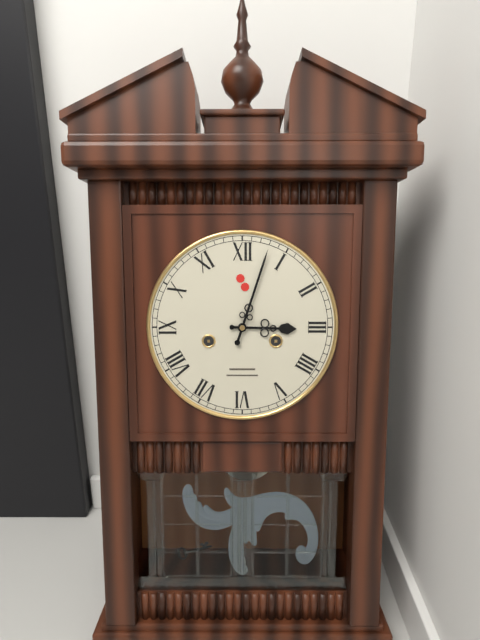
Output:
3,03
